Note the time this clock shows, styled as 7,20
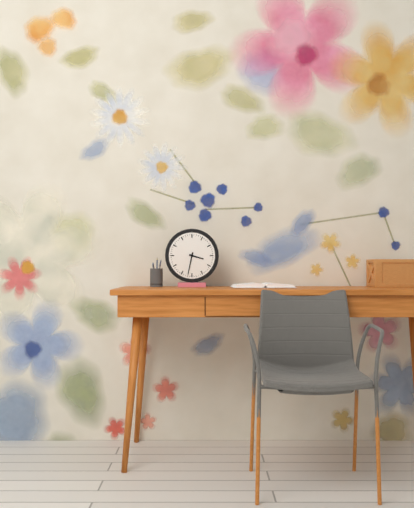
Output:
3,32
